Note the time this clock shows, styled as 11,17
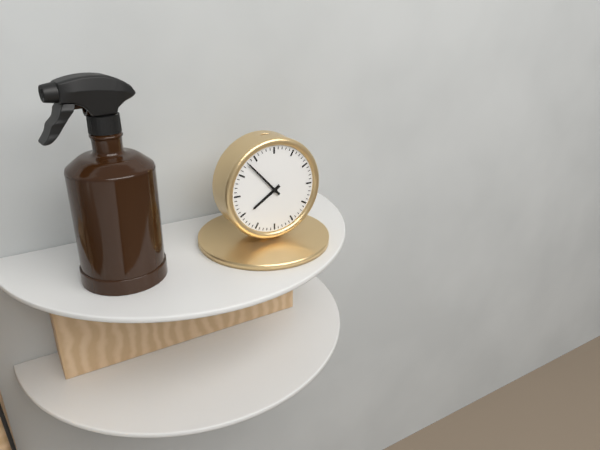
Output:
7,53
